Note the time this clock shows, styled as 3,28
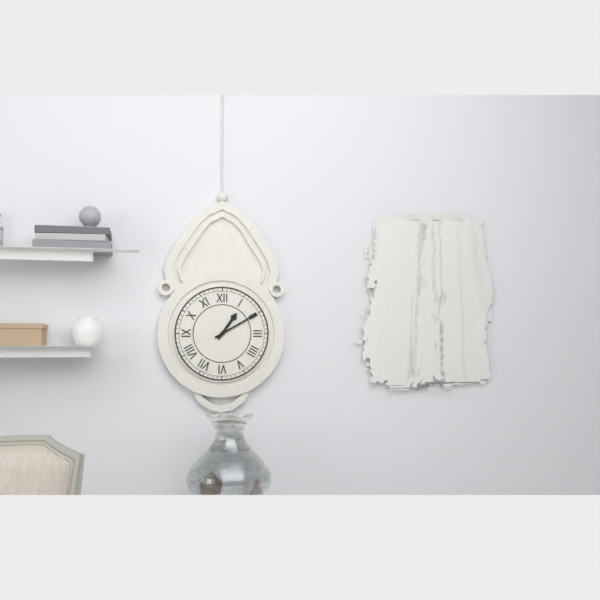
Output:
1,10
